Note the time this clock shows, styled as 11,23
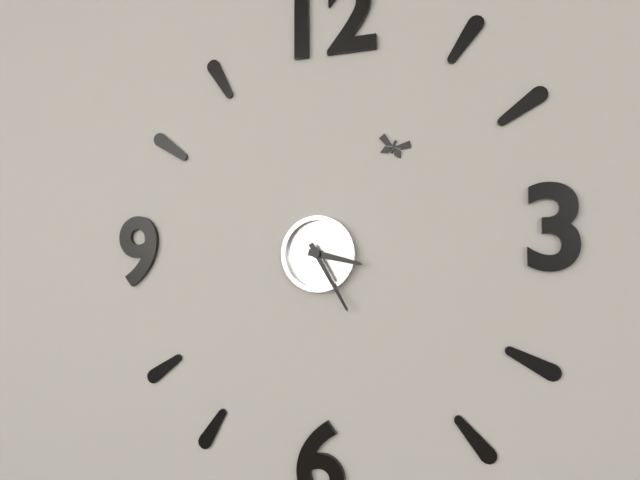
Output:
3,25
